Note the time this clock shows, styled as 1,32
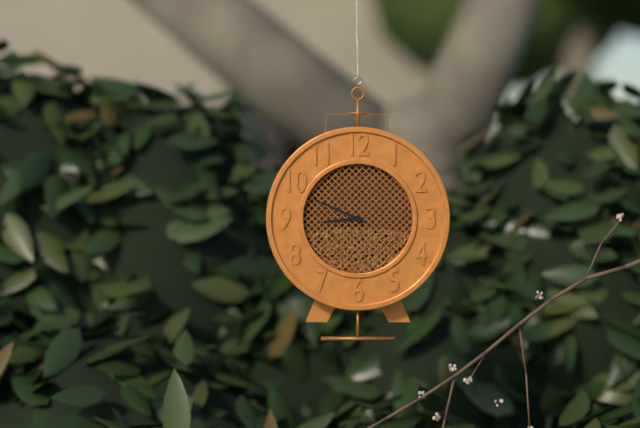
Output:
8,49
